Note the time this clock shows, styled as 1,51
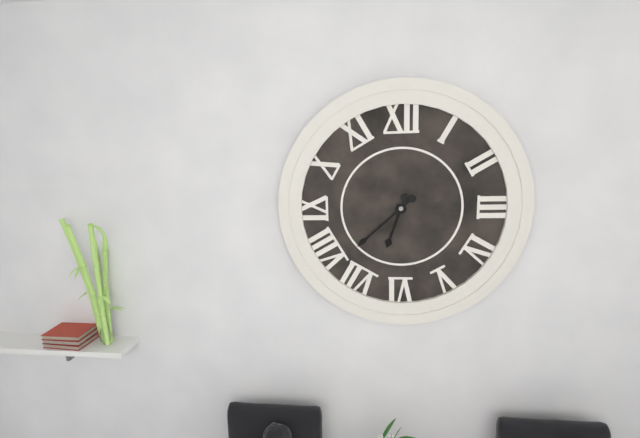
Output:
6,38
